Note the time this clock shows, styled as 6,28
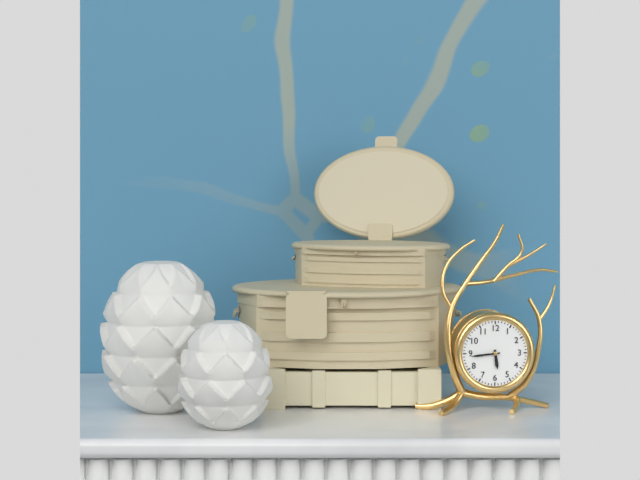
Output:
5,44
